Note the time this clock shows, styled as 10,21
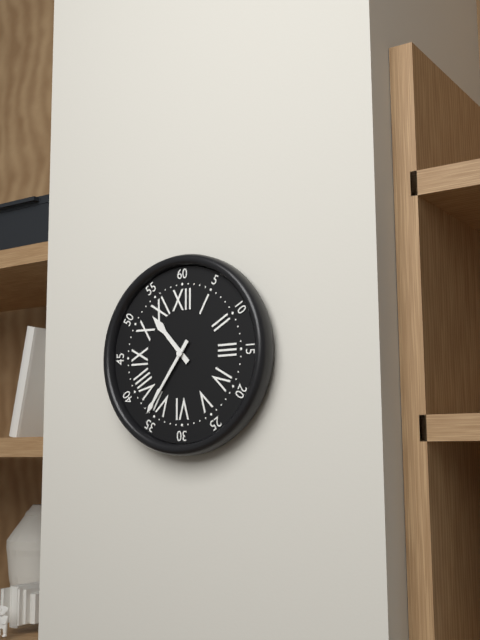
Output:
10,36
